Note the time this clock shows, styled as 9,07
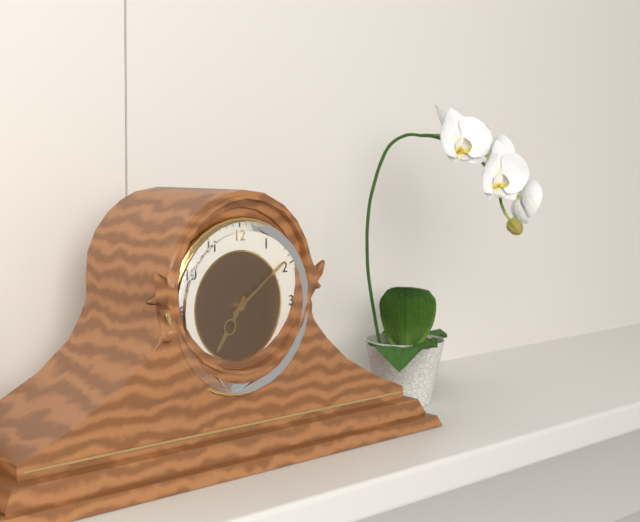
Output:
7,09
